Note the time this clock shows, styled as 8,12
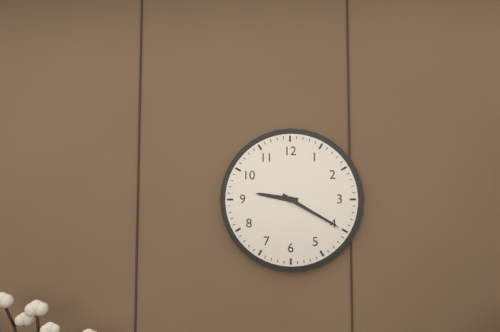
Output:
9,20
